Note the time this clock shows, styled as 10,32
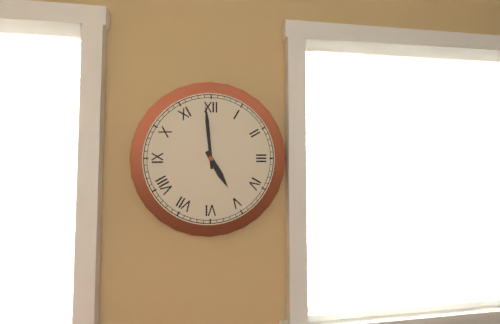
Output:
4,59
